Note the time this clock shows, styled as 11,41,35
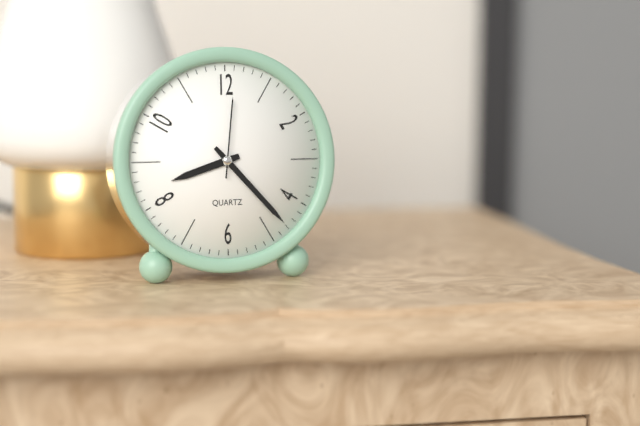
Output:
8,23,01
